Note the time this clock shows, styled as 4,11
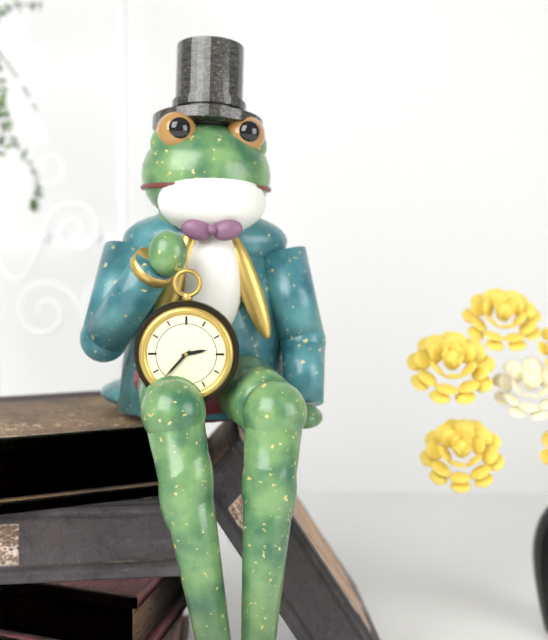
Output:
2,37
